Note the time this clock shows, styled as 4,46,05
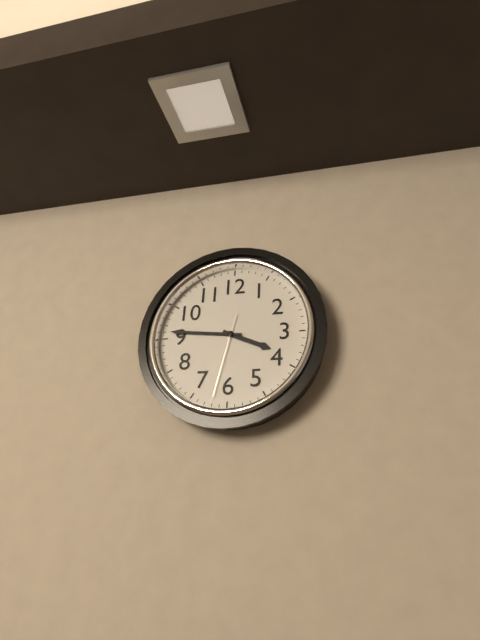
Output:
3,46,32
